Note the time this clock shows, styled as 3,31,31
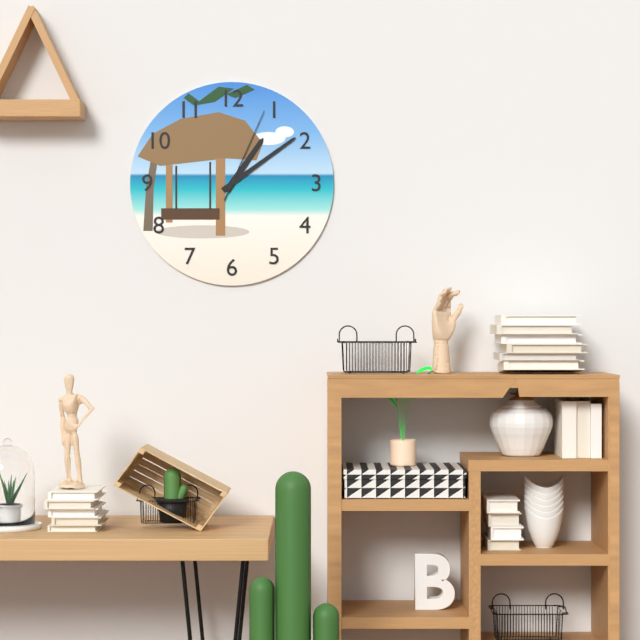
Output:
1,09,04
